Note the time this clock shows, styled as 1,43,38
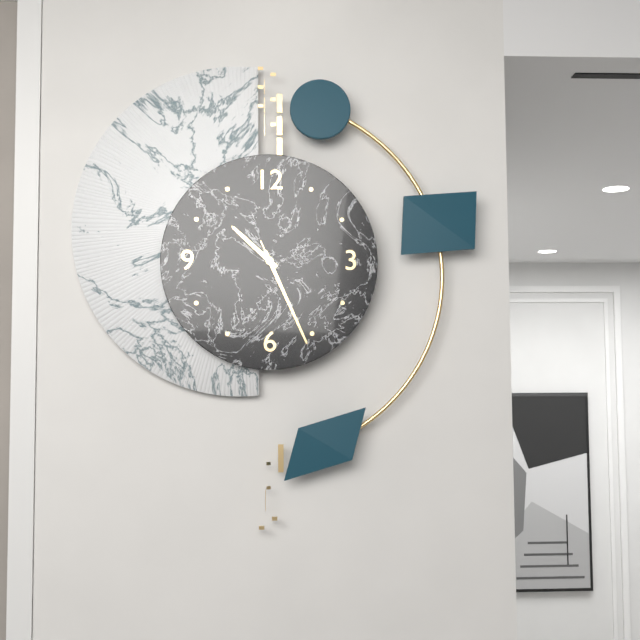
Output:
10,26,26
